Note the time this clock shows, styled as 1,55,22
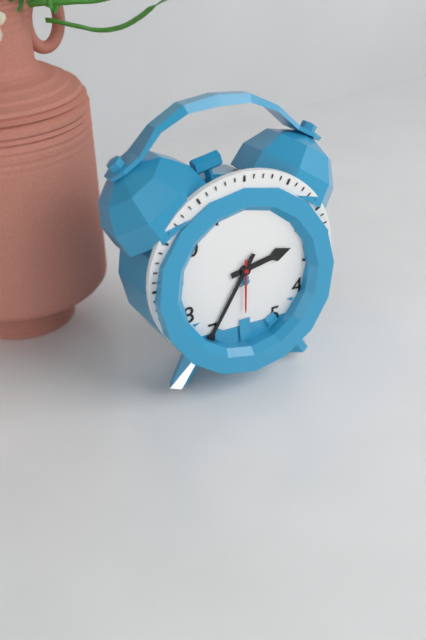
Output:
2,35,30
